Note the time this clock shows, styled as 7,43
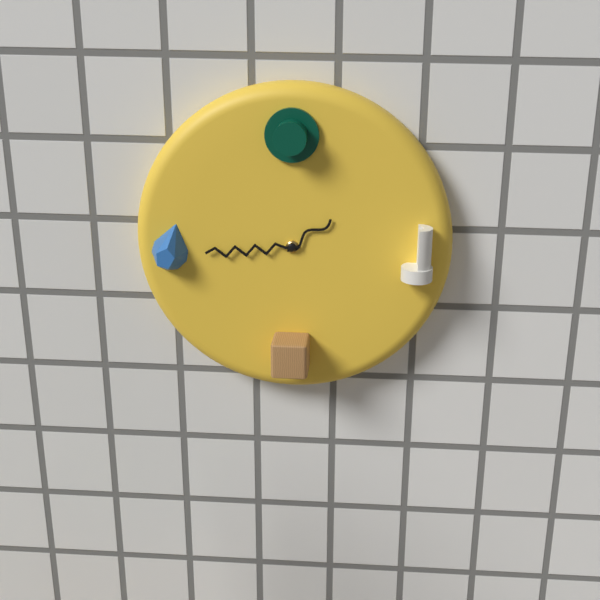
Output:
1,44
